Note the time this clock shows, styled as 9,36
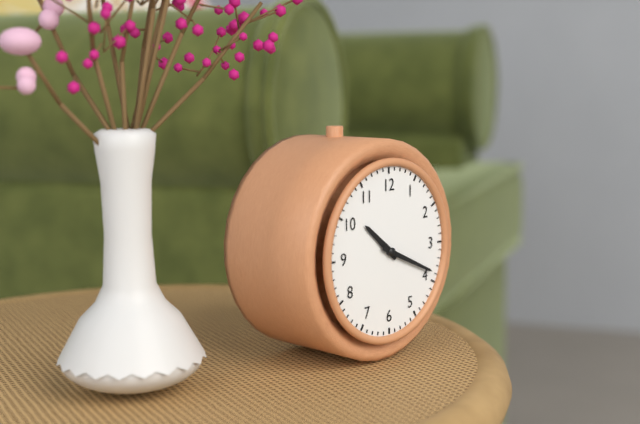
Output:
10,19
